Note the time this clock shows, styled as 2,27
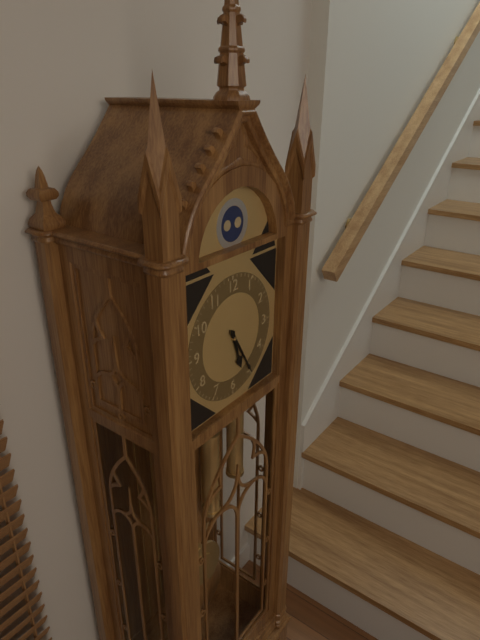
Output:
5,25
